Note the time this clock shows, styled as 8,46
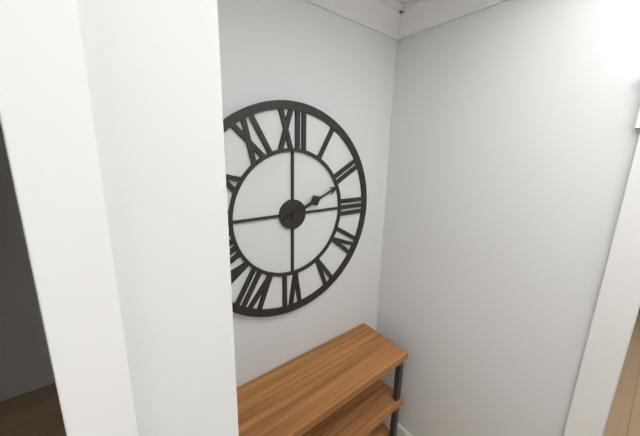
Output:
2,11
